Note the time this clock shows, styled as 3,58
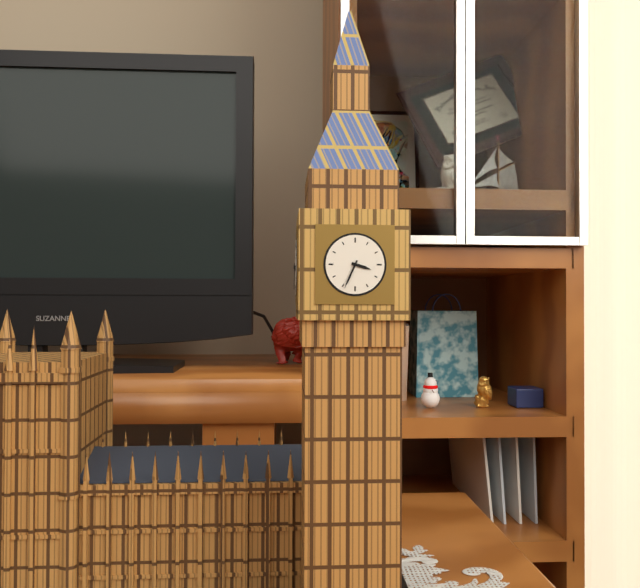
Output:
3,34
